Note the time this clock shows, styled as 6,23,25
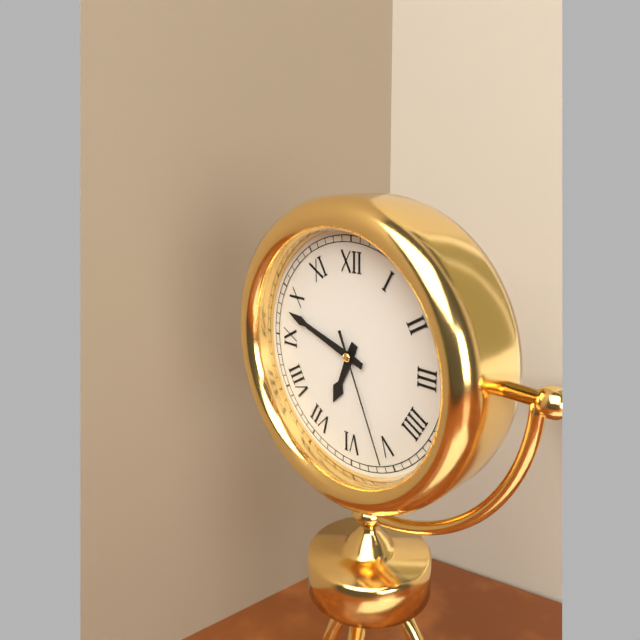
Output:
6,48,26
